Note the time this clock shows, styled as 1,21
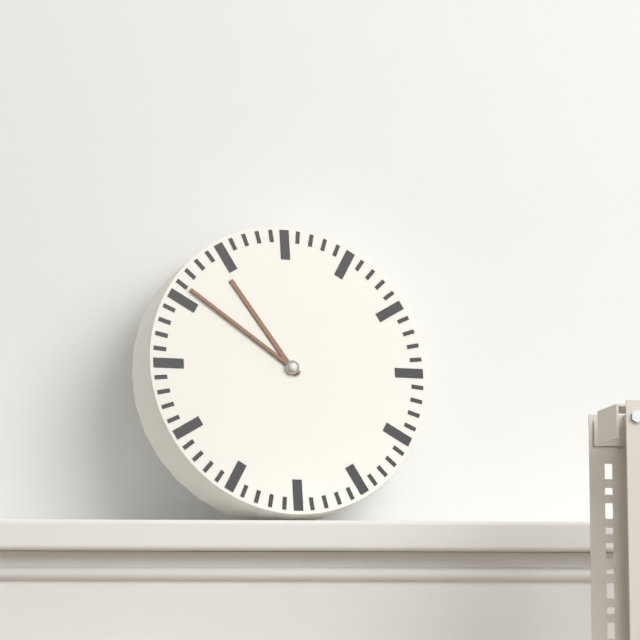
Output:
10,51
